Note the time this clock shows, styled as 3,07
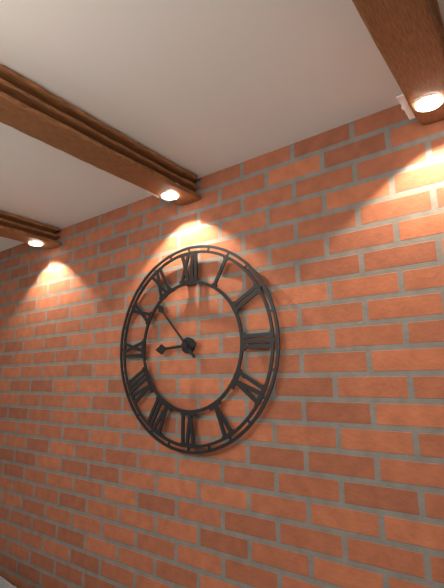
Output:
8,53
